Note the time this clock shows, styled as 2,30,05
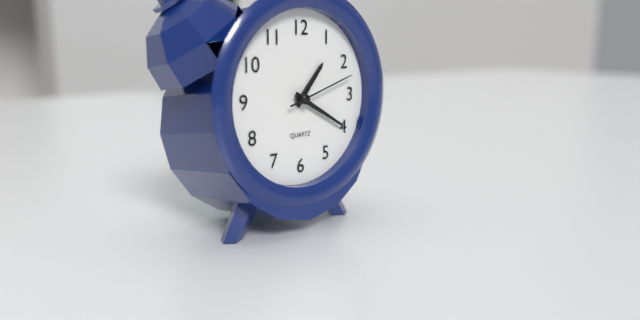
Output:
1,20,12
